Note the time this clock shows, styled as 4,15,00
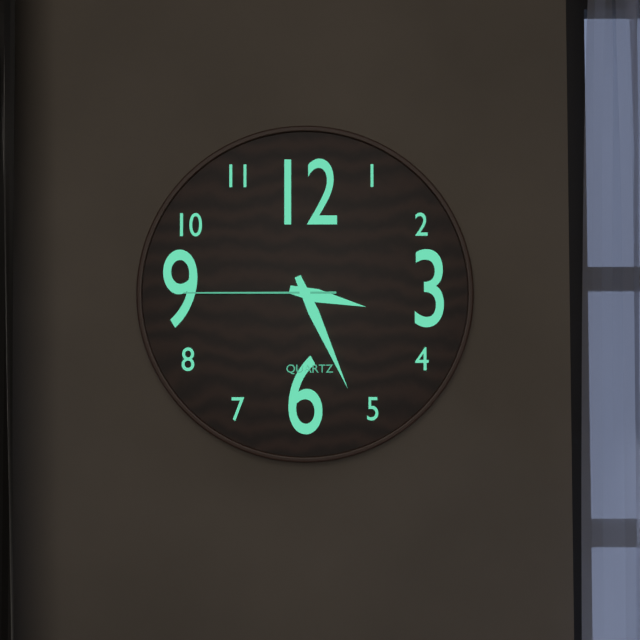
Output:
3,26,45
